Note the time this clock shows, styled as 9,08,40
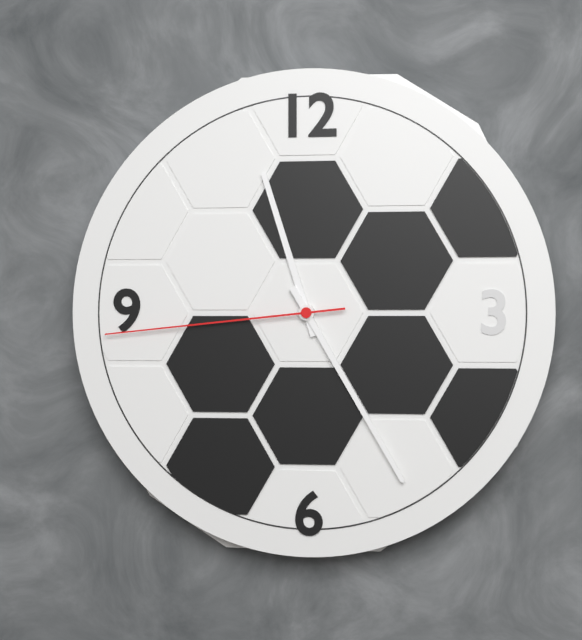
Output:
11,25,44
